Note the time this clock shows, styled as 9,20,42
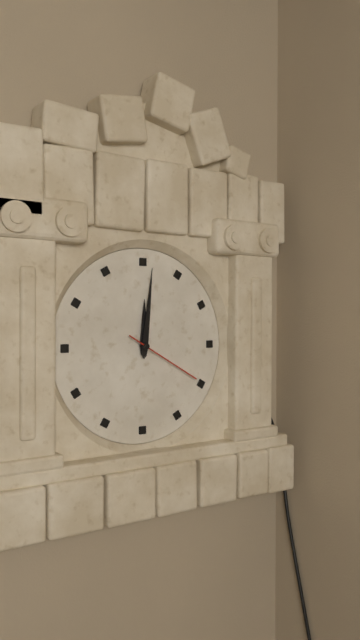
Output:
12,01,20
